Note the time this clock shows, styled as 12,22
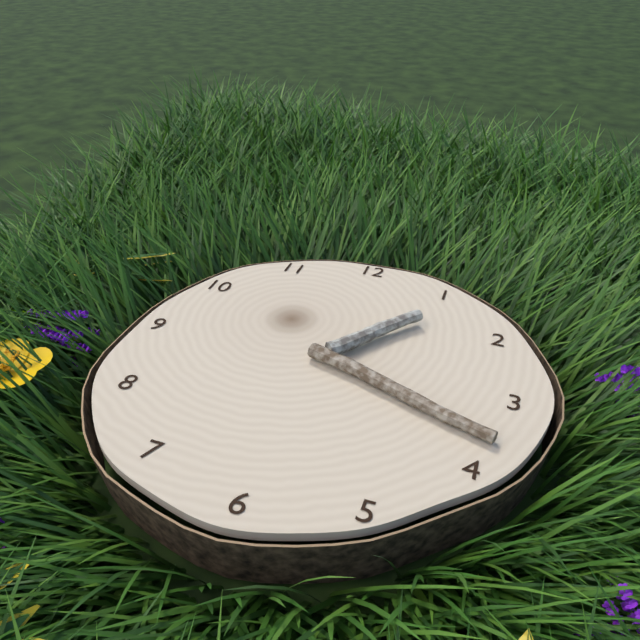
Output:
1,18
